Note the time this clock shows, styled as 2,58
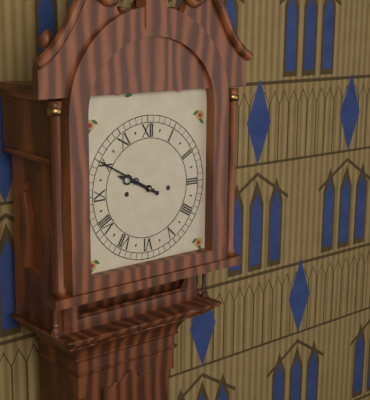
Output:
9,50
